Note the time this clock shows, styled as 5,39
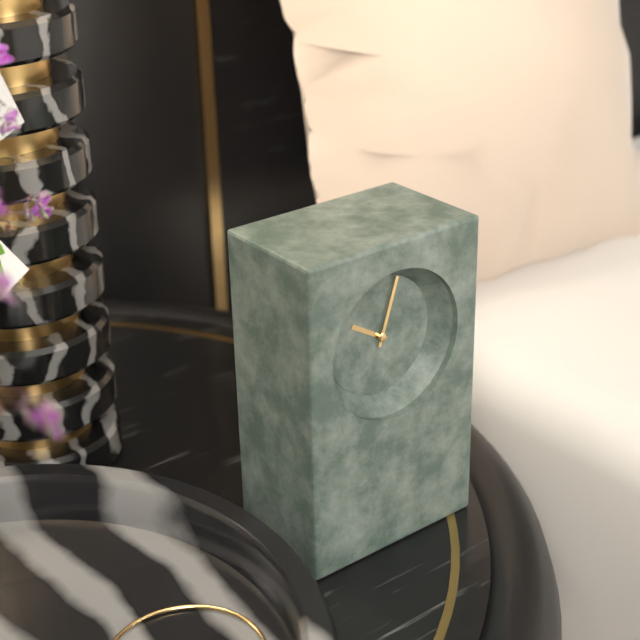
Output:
10,03
